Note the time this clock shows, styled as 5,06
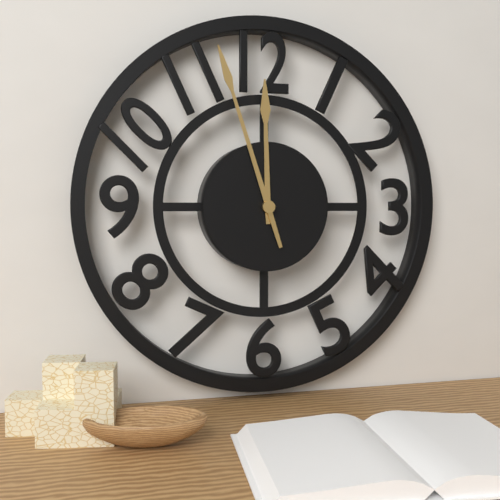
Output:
11,57
